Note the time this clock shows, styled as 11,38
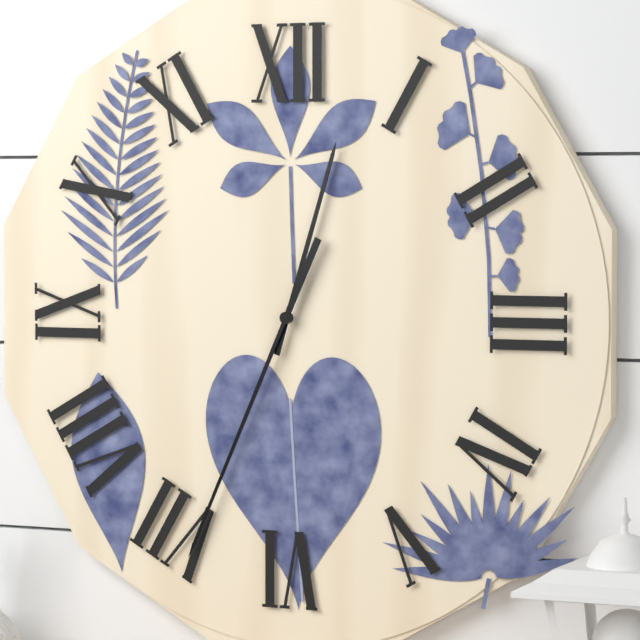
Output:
12,34
